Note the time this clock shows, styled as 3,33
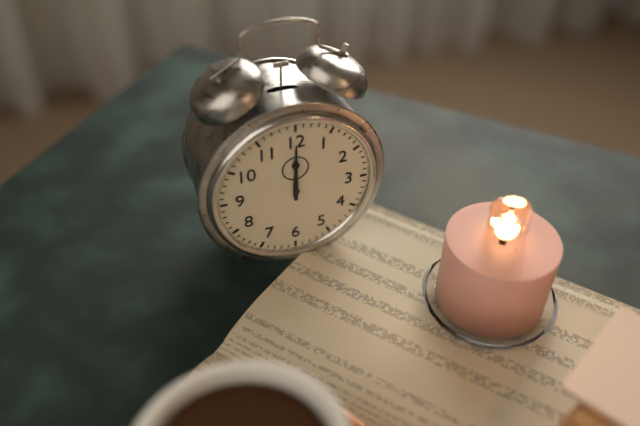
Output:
12,00
